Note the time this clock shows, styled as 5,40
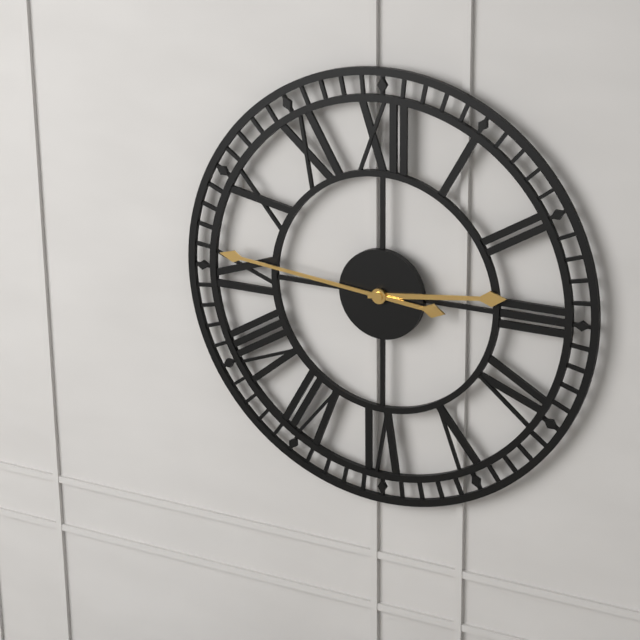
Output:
2,46
